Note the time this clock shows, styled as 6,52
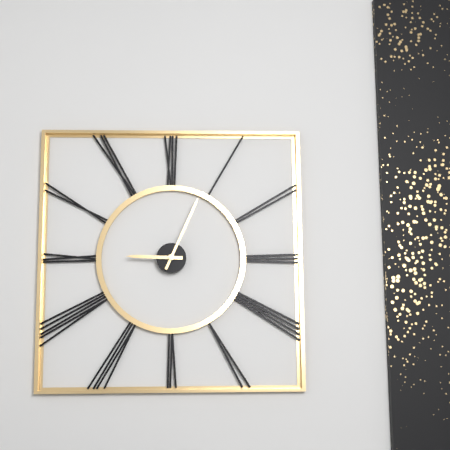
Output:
9,04
